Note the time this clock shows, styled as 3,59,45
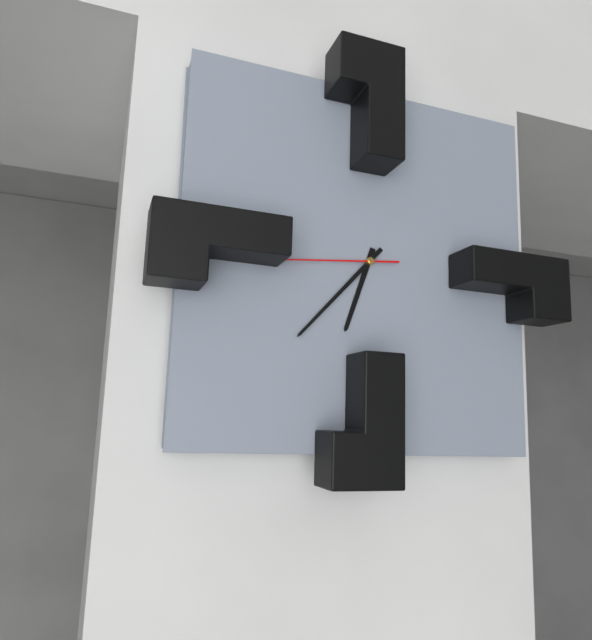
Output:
6,37,44
